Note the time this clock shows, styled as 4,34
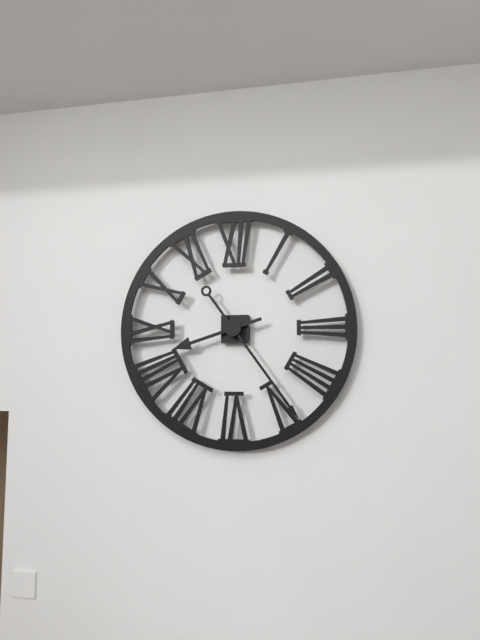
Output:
8,24
